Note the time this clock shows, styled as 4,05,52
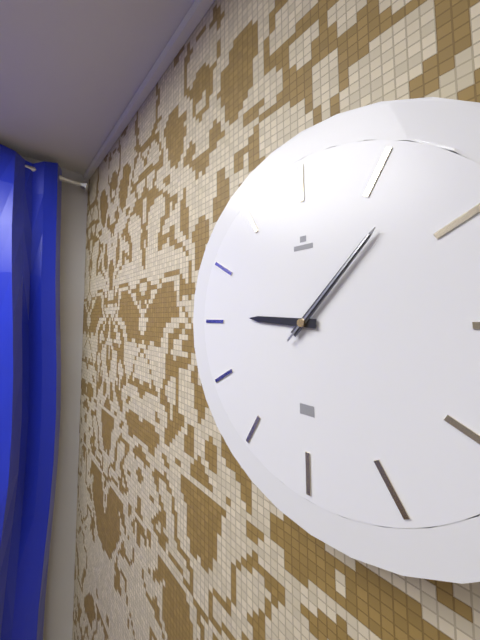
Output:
9,07,07
